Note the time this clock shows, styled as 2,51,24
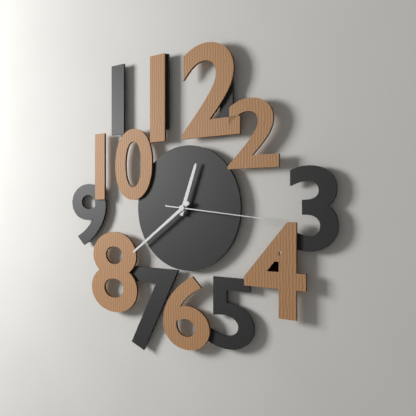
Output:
12,39,16
